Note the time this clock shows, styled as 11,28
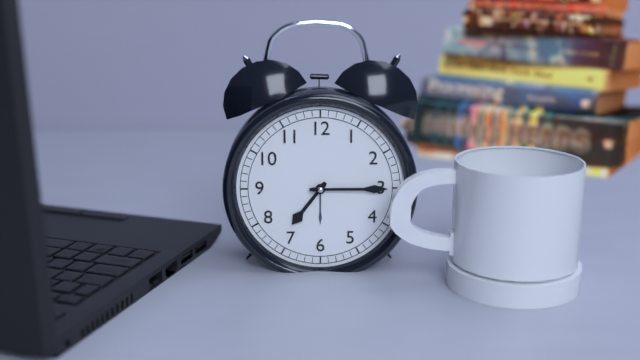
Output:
7,15
